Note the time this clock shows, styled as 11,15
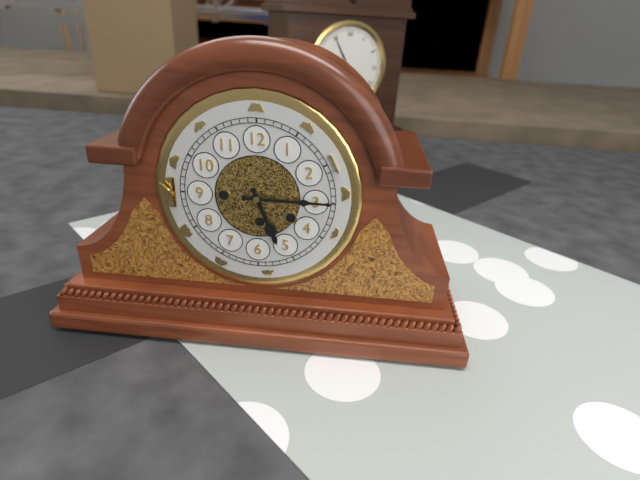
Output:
5,15
